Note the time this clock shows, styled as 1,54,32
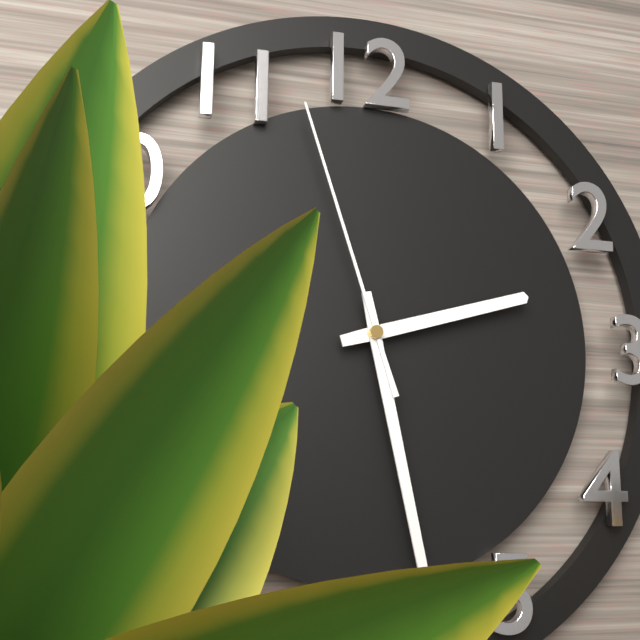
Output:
2,28,57
